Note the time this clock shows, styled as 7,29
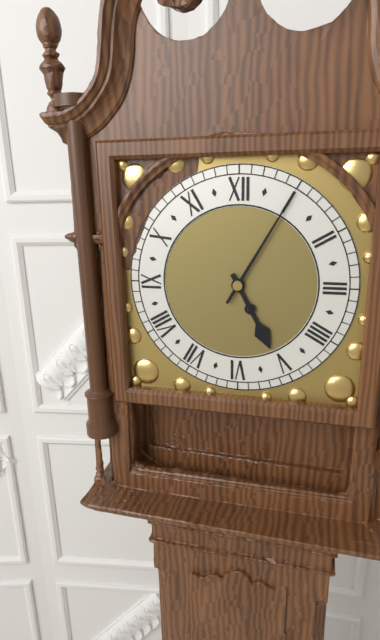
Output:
5,05
